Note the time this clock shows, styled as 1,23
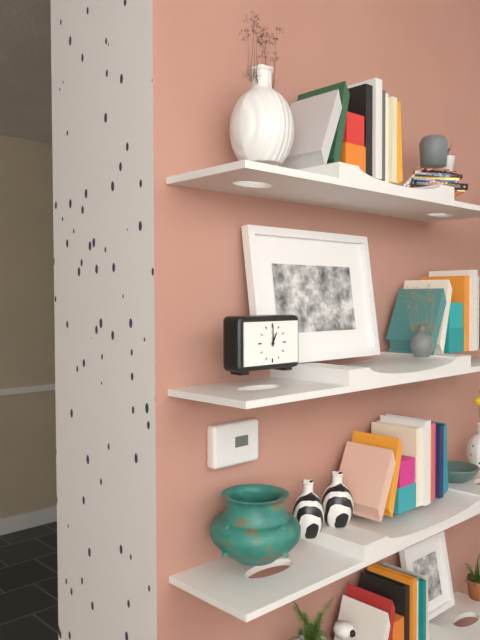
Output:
1,00
